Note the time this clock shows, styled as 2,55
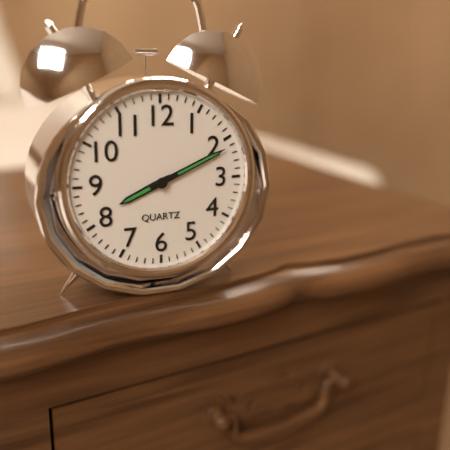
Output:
8,11
